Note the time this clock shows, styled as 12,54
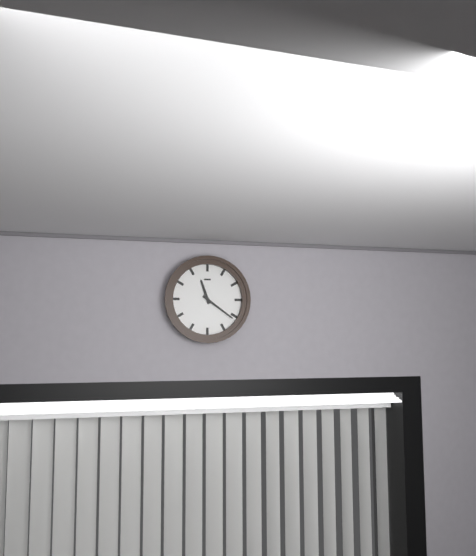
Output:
11,21
